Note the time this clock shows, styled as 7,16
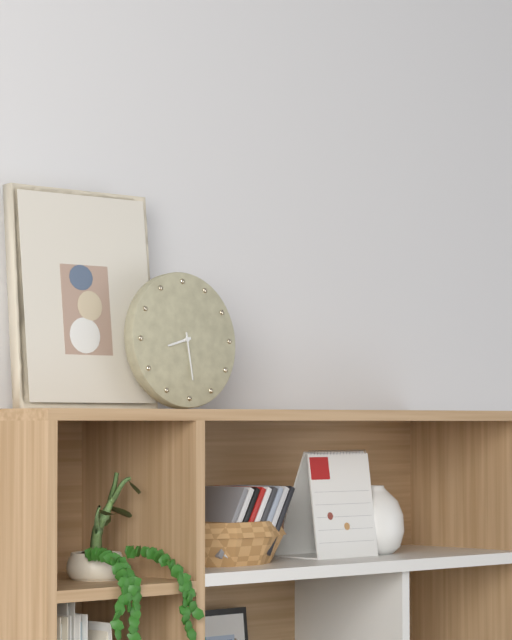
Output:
8,29
